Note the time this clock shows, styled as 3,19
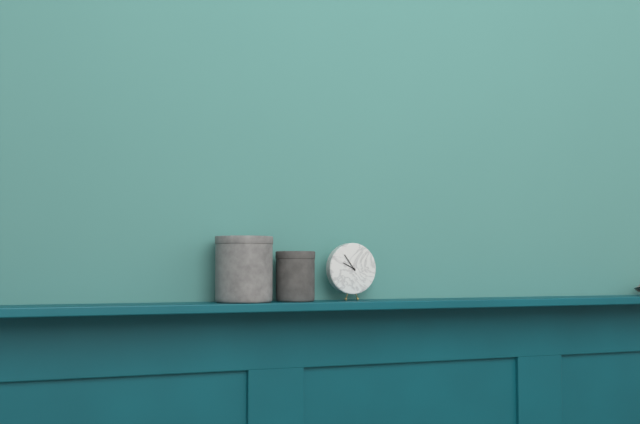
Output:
9,54
